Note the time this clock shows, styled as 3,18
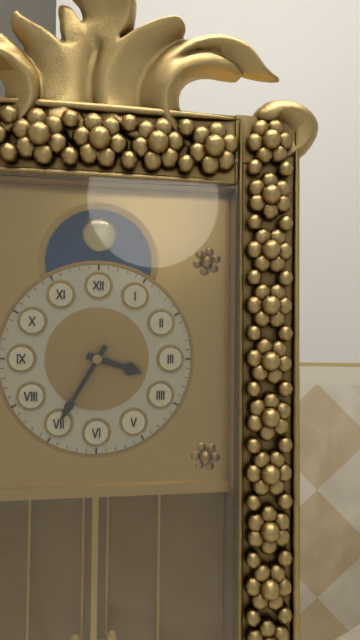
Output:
3,35
